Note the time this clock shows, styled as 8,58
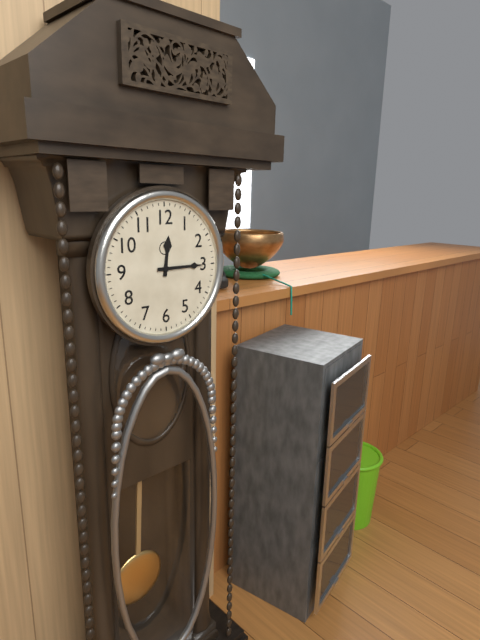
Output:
12,15
